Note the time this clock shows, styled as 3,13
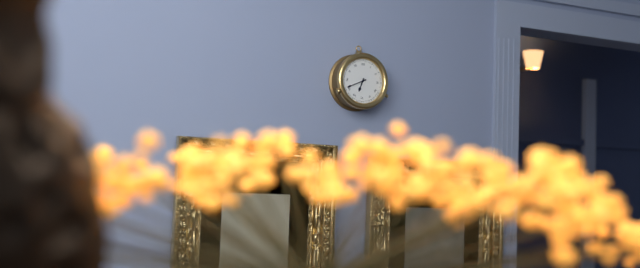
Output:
6,41
